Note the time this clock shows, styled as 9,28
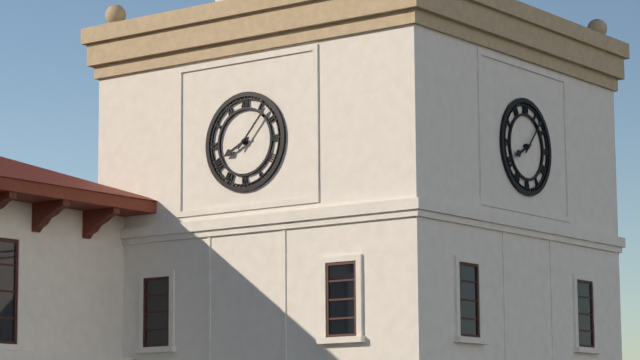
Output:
8,07
